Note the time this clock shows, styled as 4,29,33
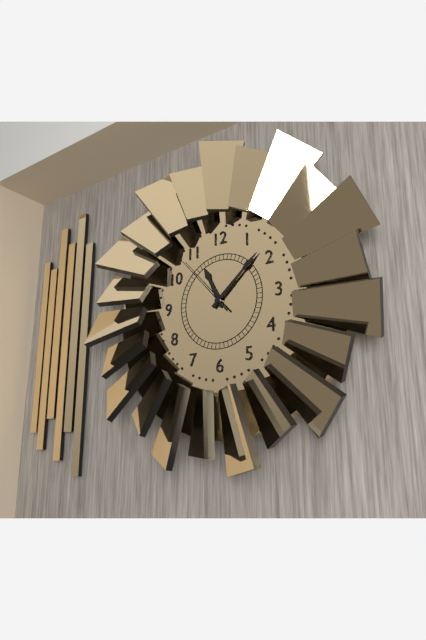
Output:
11,08,53
